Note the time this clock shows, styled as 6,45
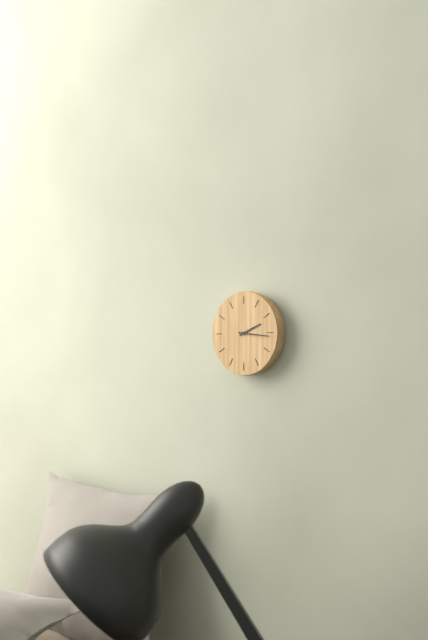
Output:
2,16
